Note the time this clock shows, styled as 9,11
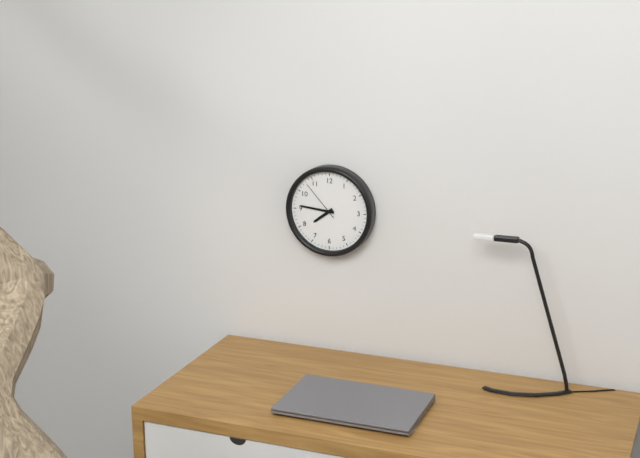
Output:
7,46
